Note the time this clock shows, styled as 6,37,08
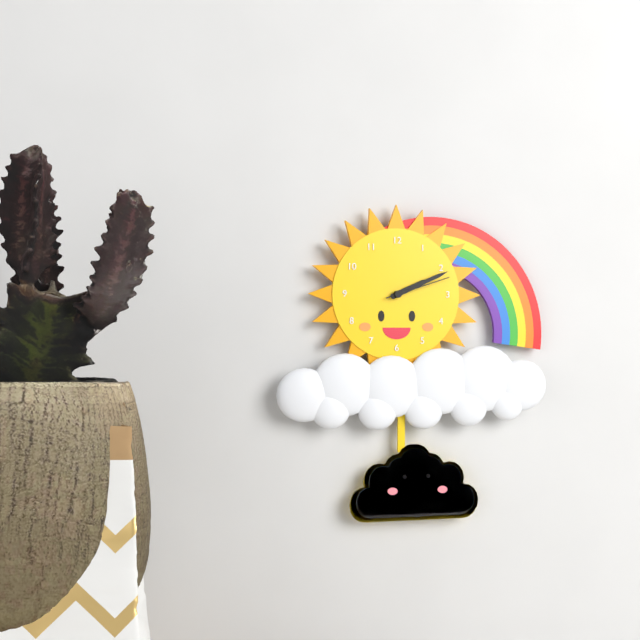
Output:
2,11,12
